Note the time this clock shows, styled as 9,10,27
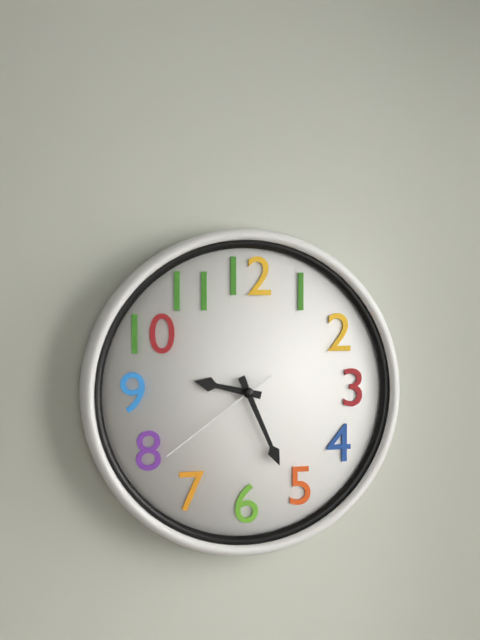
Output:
9,26,39
